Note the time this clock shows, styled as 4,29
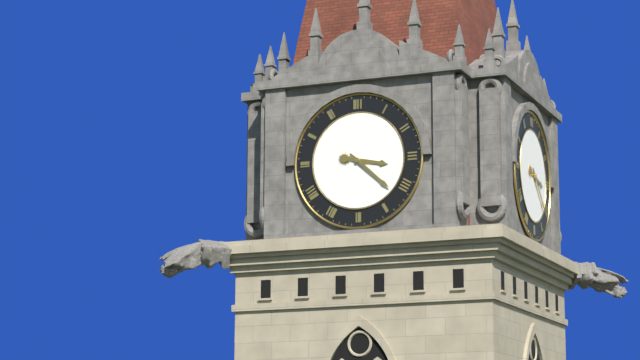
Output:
3,22
